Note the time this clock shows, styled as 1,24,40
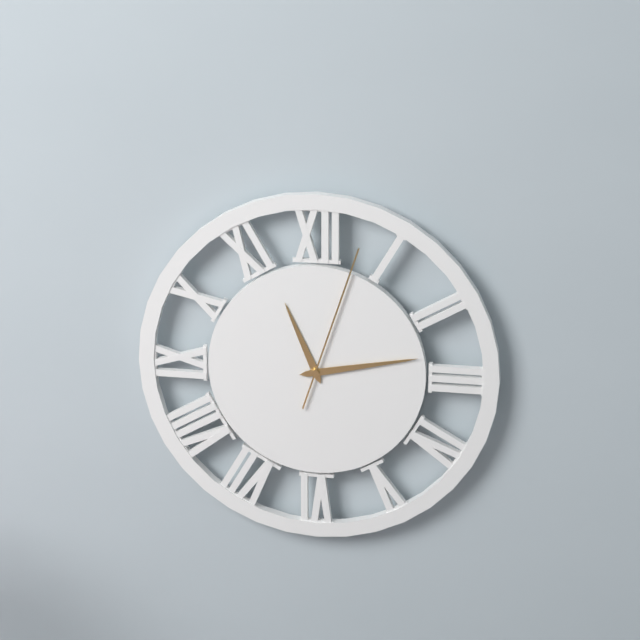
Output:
11,13,03
